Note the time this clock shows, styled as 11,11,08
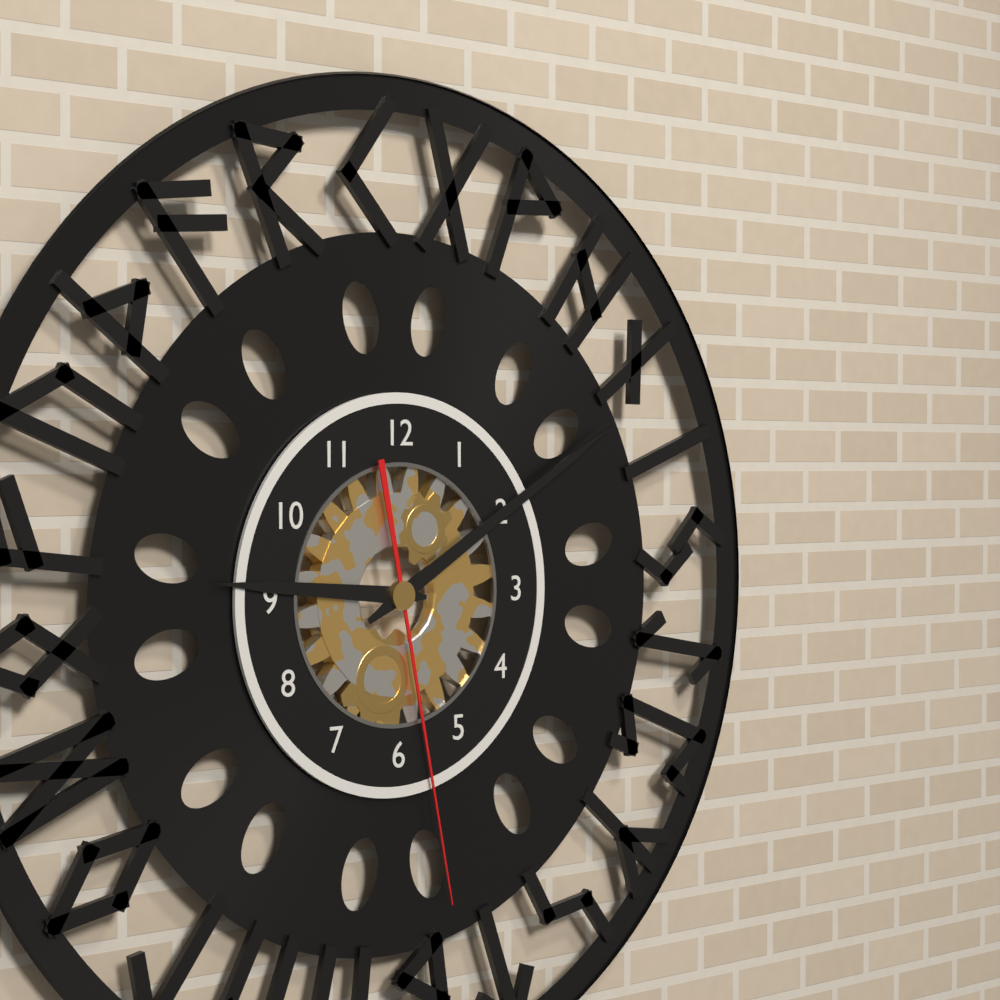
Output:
9,10,28
